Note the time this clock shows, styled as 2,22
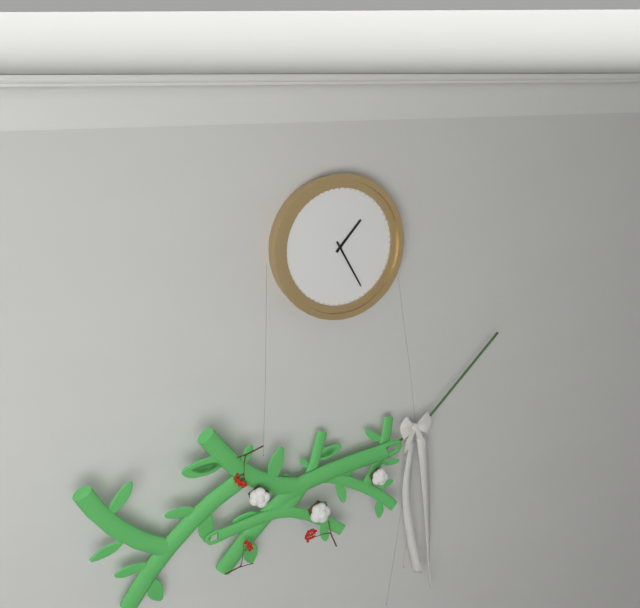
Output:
1,25
